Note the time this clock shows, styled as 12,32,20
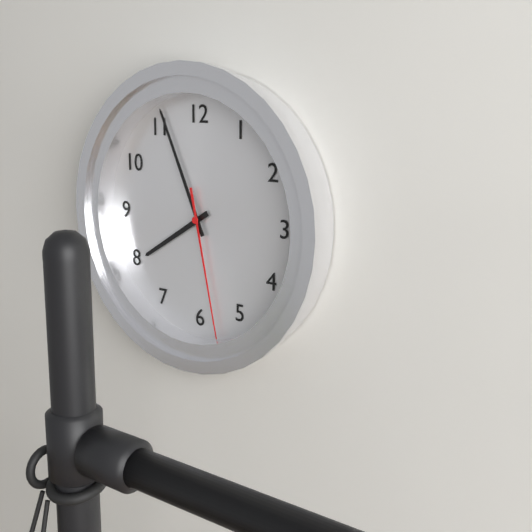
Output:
7,56,28
